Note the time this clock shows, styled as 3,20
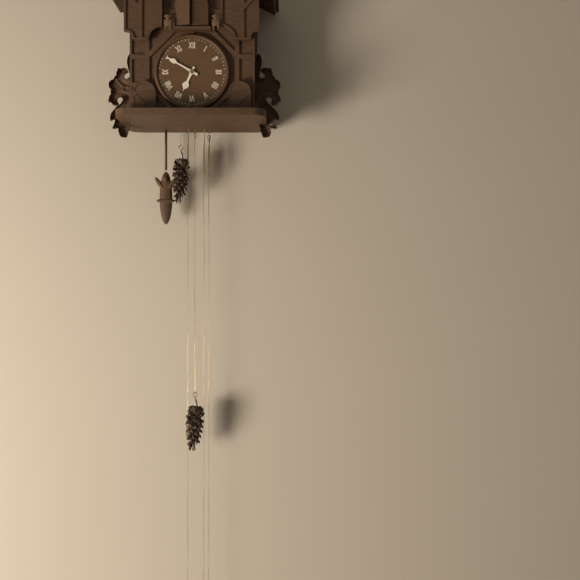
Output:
6,50
